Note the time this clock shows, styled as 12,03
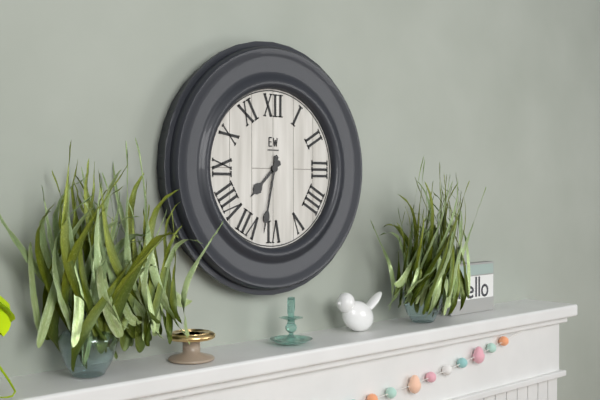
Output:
7,32
